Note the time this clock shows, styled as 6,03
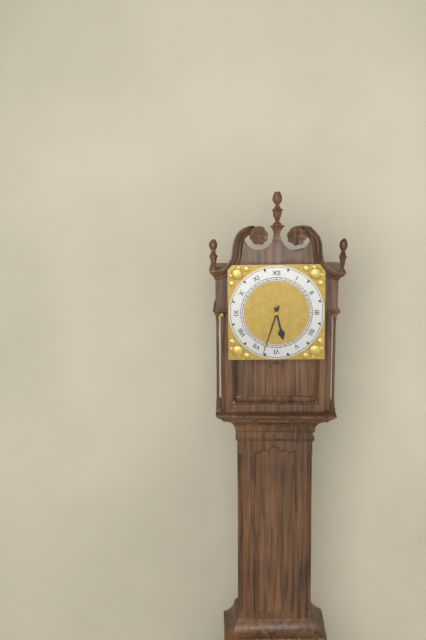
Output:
5,33
